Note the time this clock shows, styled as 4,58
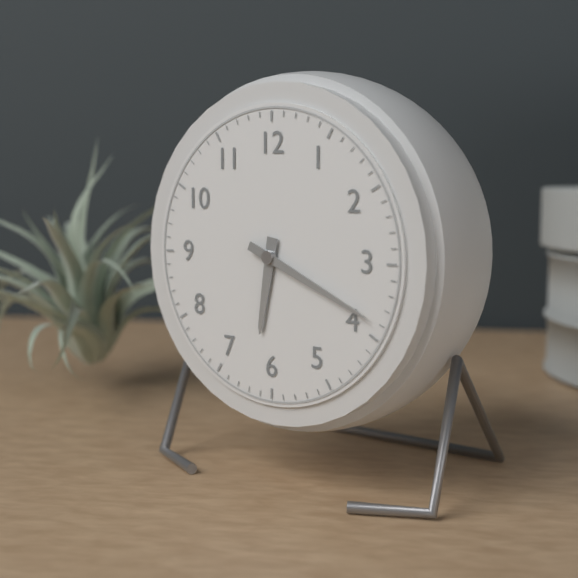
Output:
6,19
